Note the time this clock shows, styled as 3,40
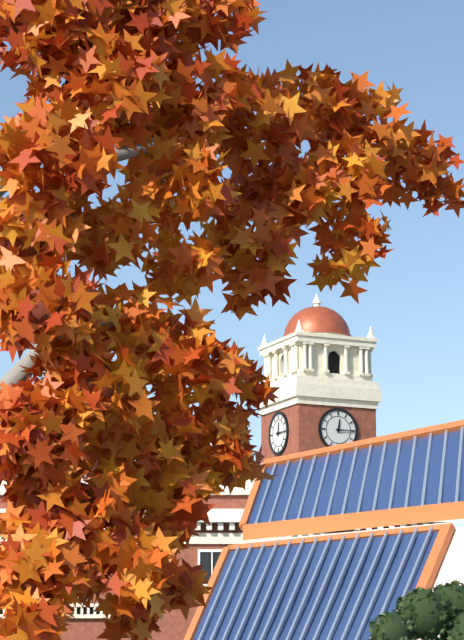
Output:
12,15
